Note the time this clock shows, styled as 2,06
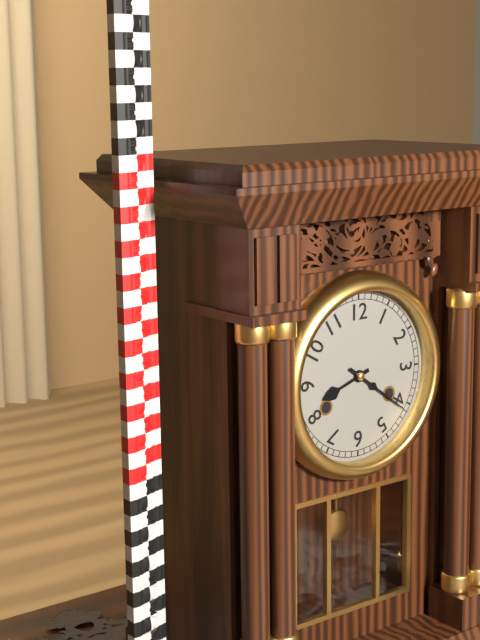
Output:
8,21
